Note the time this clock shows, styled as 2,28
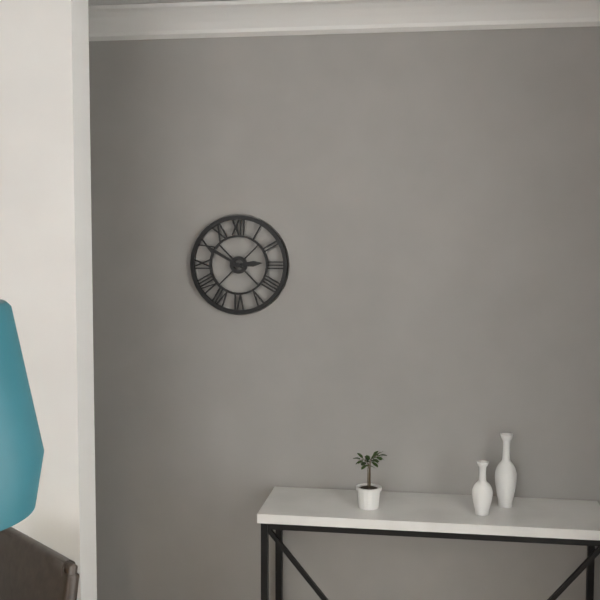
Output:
2,50
